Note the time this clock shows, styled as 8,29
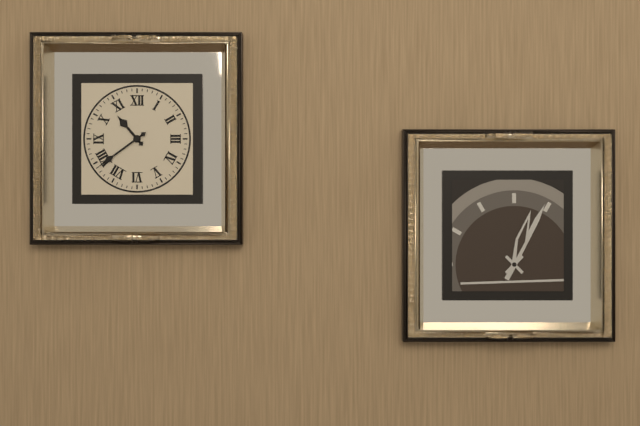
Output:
10,39
